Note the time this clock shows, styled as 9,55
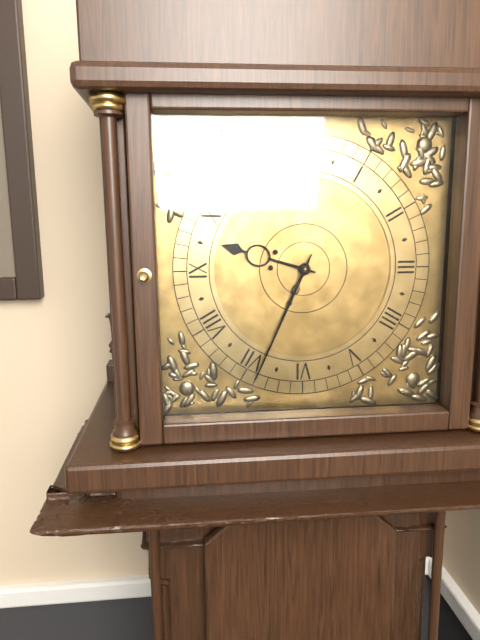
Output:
9,34
